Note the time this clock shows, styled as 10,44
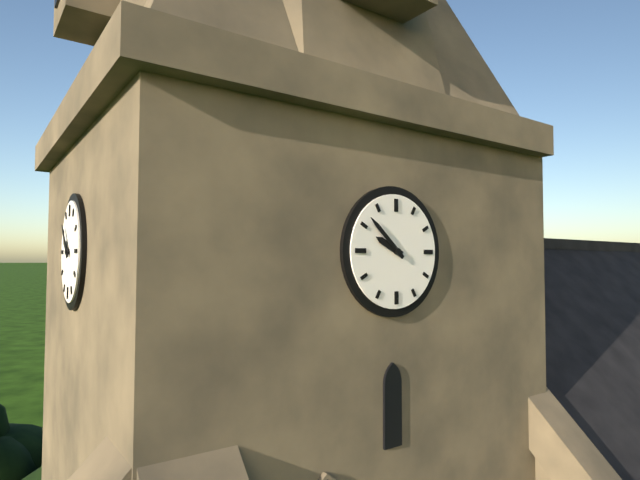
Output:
9,52
